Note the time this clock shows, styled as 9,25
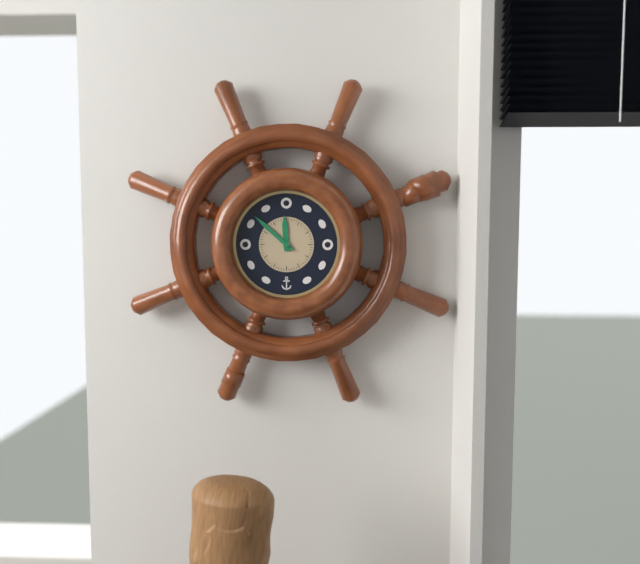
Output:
11,52
